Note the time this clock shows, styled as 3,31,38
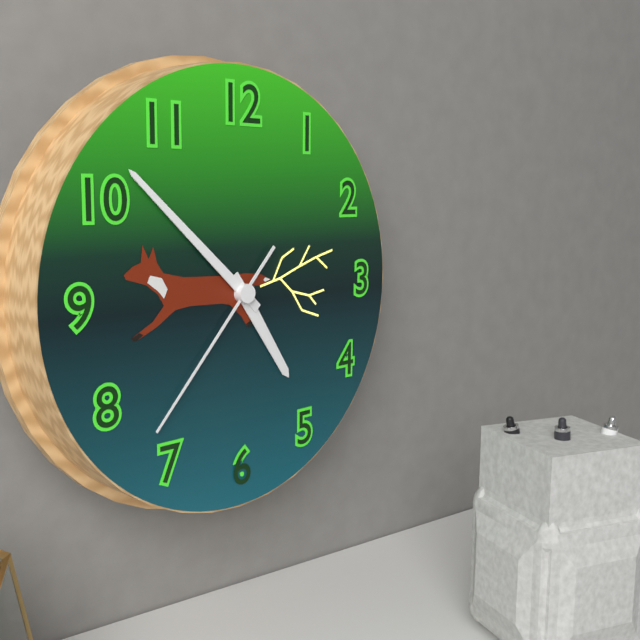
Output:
4,52,37
